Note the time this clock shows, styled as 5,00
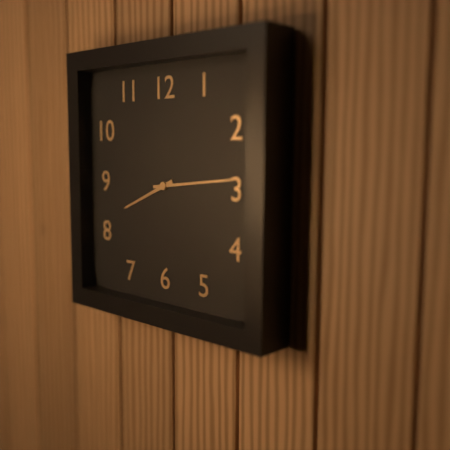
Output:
8,14
